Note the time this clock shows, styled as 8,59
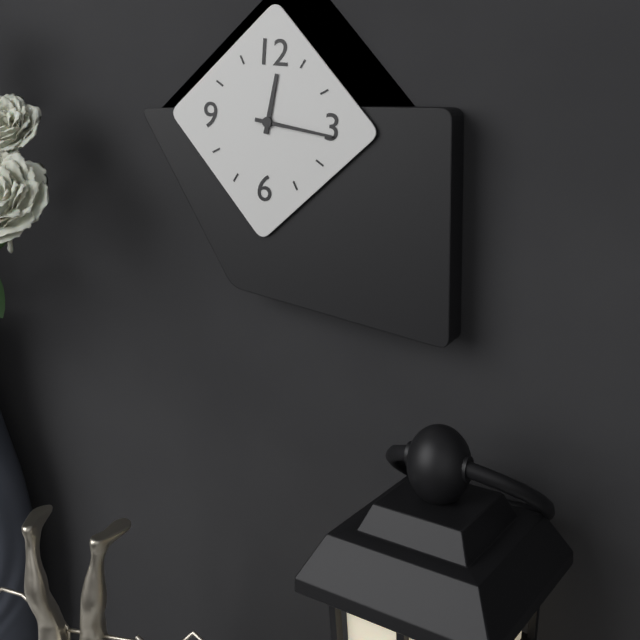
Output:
12,16
